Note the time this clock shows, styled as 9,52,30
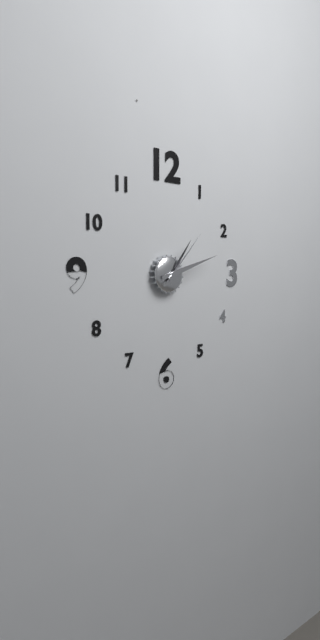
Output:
1,12,07
